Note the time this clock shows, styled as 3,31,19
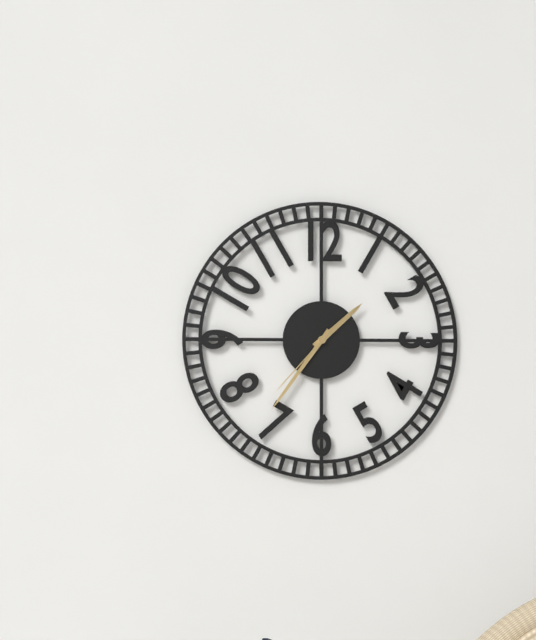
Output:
1,36,37
